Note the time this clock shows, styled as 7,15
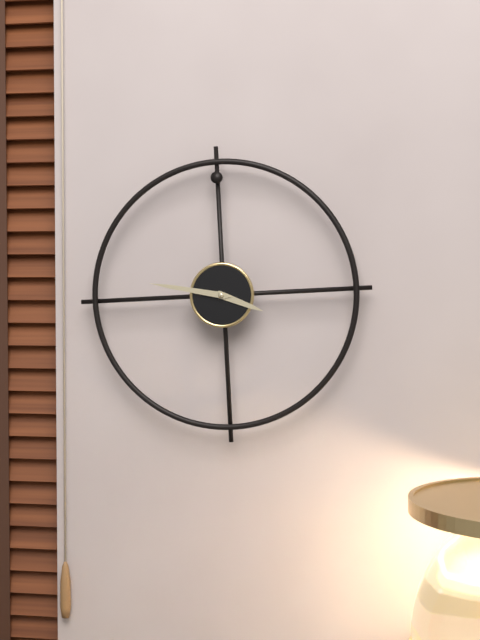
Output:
3,47
